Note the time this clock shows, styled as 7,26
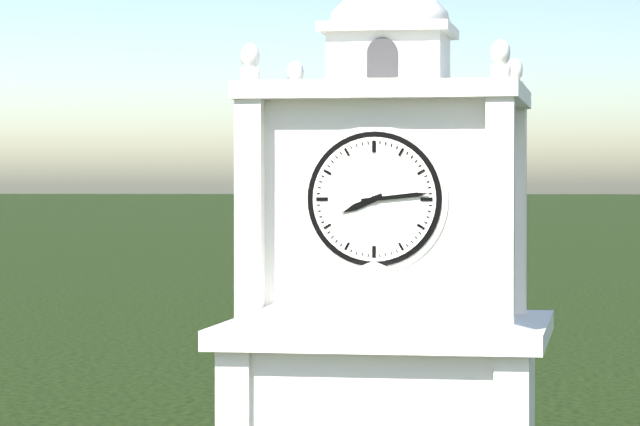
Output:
8,14
